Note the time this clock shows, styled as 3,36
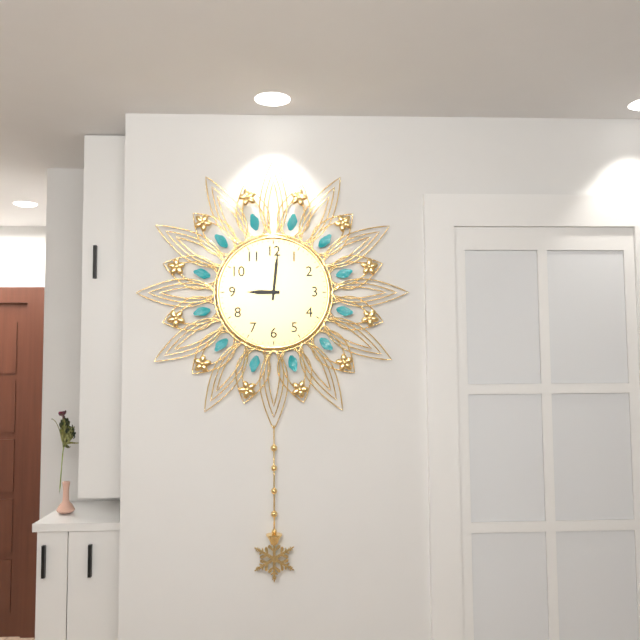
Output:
9,01
